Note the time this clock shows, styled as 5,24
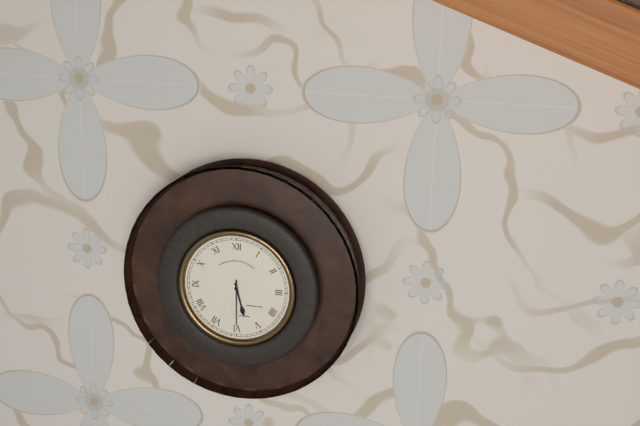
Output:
5,30
